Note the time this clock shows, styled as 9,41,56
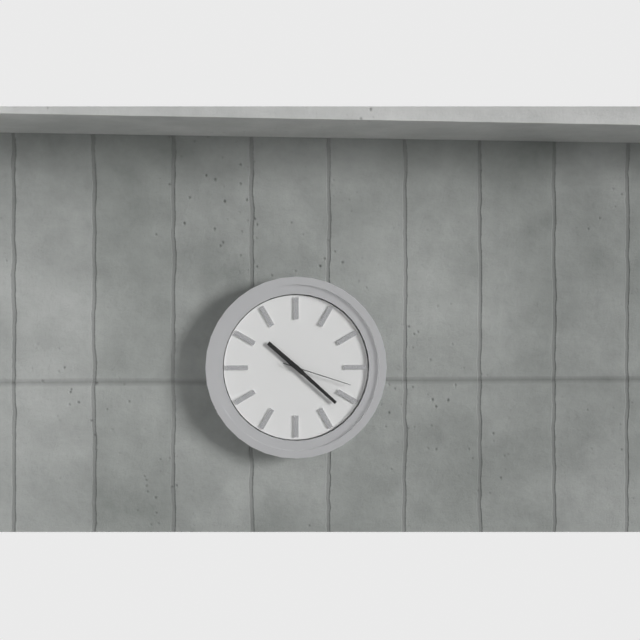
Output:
10,22,18
